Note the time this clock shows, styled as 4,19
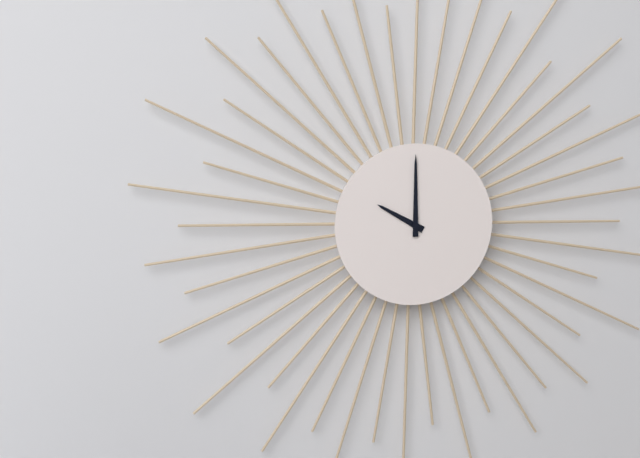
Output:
10,00
